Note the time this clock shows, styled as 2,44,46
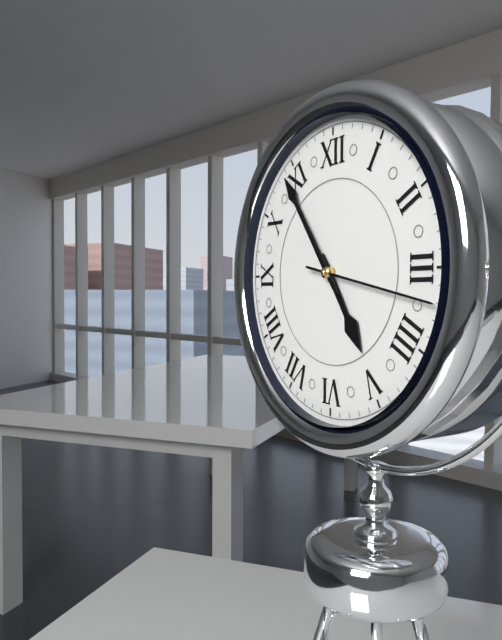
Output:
4,54,17
